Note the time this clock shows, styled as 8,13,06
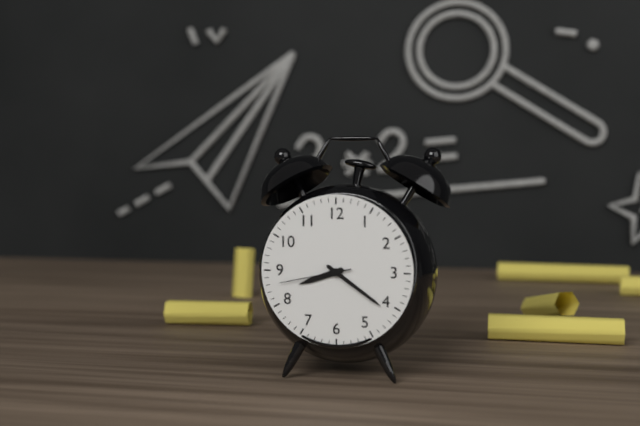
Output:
8,21,43
